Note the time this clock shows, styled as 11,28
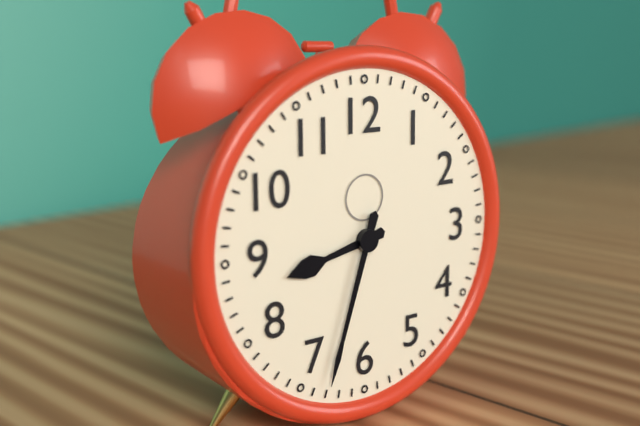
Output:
8,33
